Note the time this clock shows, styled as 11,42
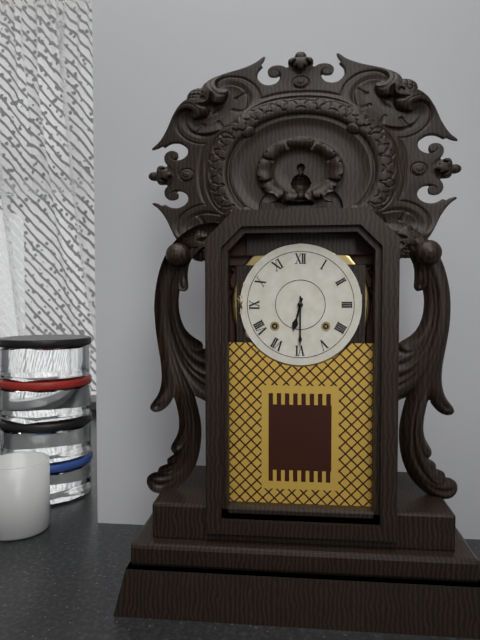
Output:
6,30
